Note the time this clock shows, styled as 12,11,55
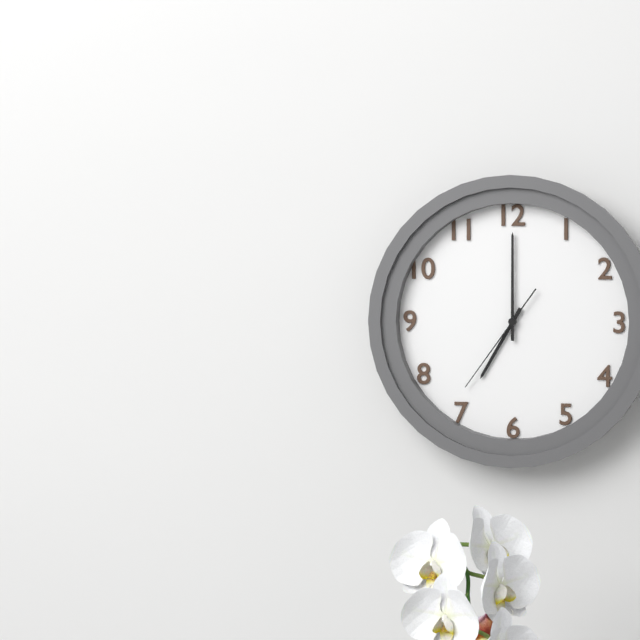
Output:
7,00,36
